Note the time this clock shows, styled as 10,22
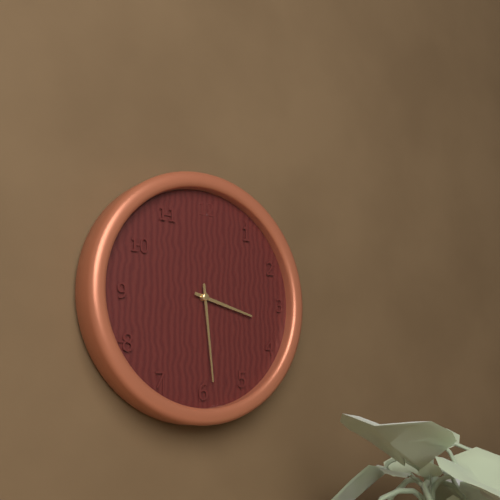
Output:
3,29
